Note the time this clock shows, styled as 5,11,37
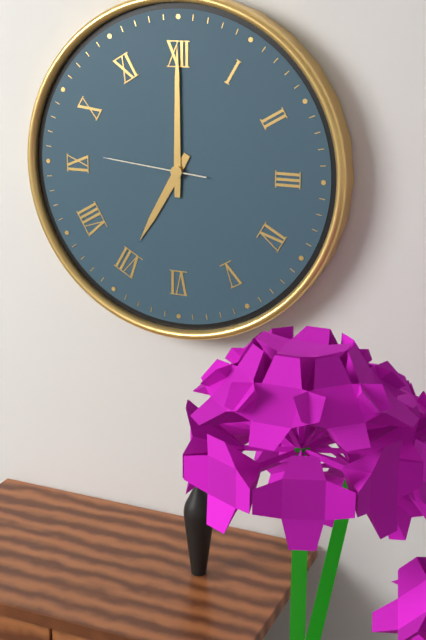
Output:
7,00,46
